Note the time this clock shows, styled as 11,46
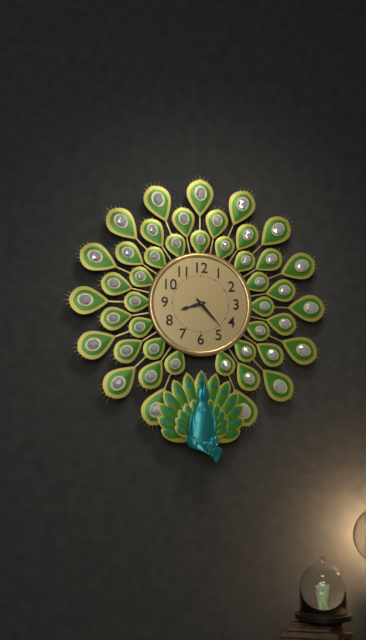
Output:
8,23
